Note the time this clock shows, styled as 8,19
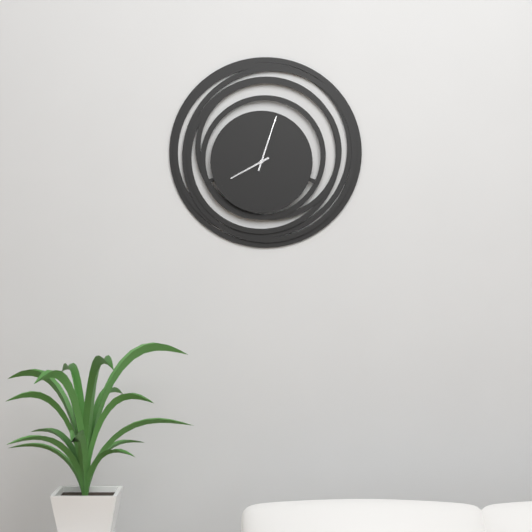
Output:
8,03
